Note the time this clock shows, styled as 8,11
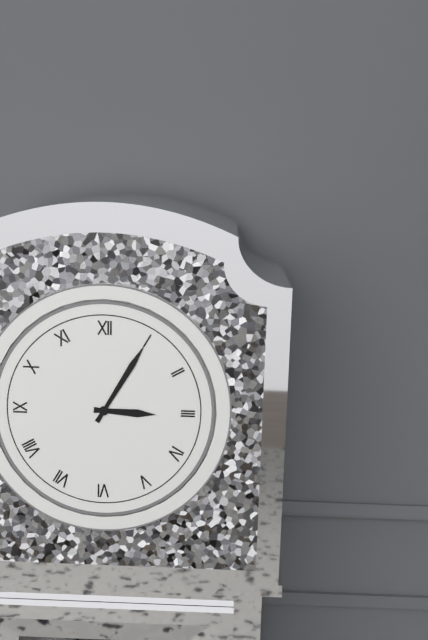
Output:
3,05
